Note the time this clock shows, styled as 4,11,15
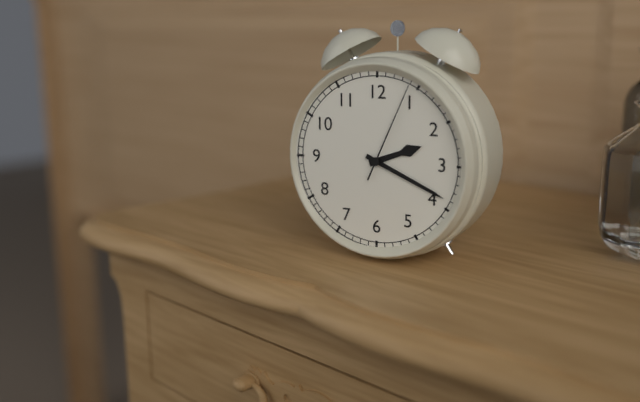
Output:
2,19,04
